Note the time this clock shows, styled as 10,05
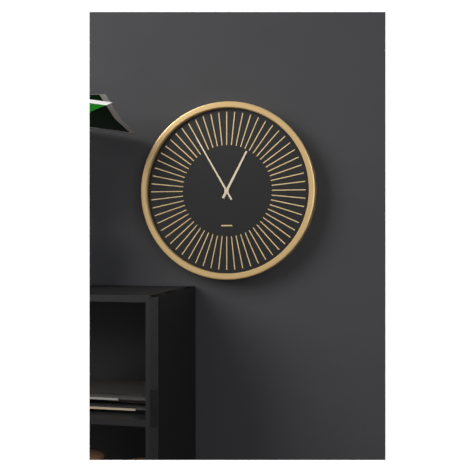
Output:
12,55
